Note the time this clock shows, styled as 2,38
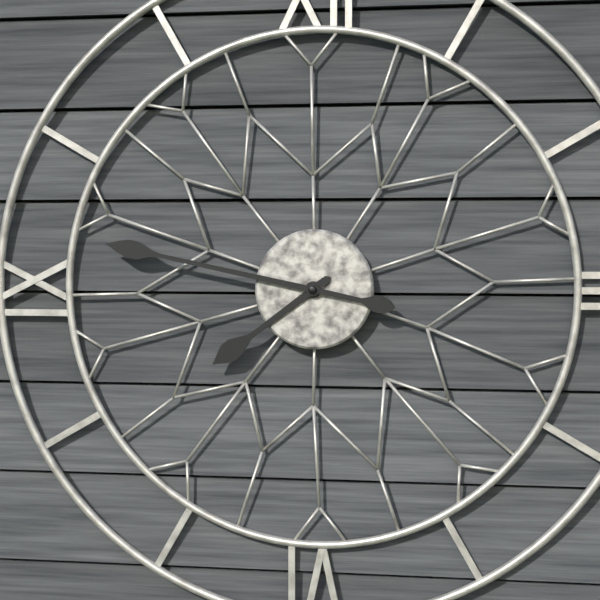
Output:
7,47
